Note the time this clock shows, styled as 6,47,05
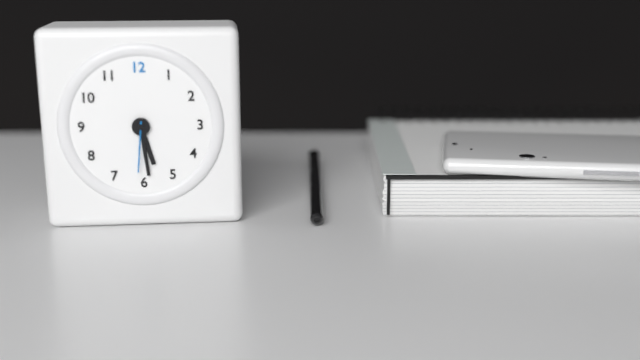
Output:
5,29,31
